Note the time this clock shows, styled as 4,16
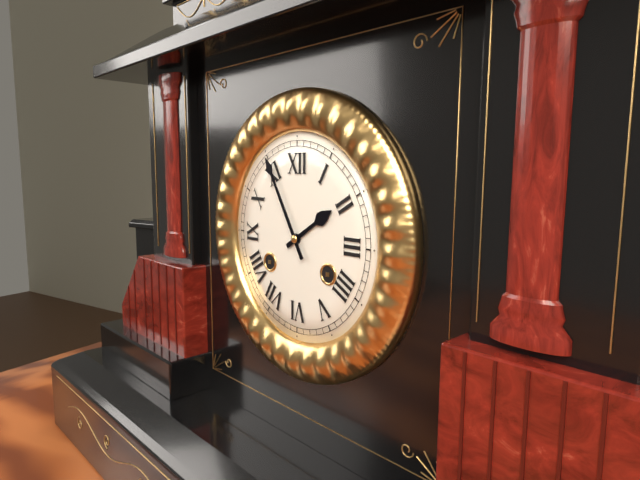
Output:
1,55
